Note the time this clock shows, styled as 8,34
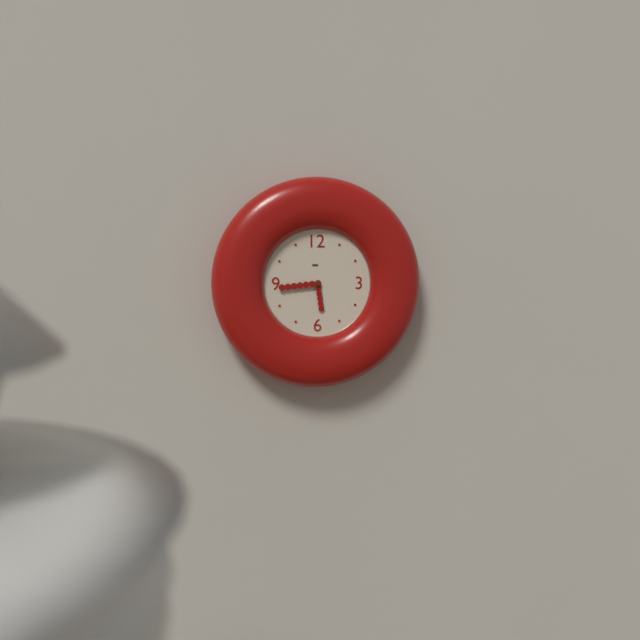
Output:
5,44
